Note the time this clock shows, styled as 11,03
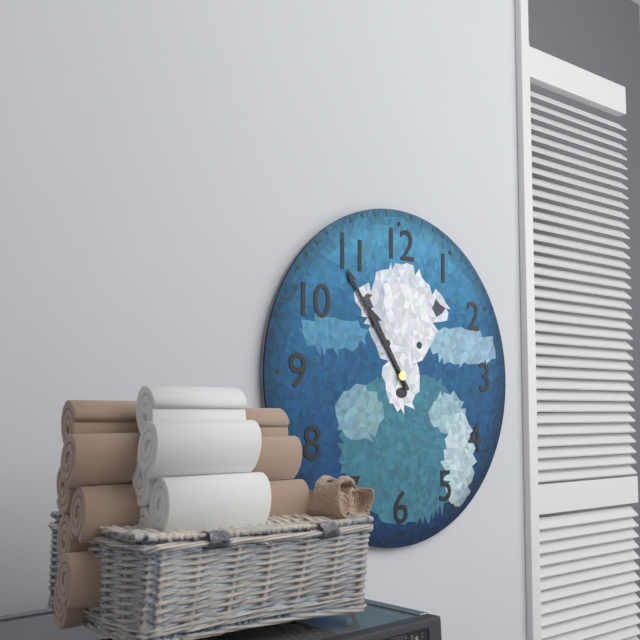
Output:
10,54
